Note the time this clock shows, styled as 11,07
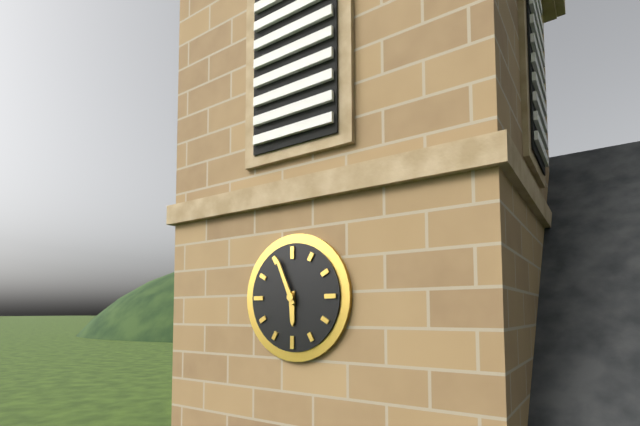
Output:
5,56
